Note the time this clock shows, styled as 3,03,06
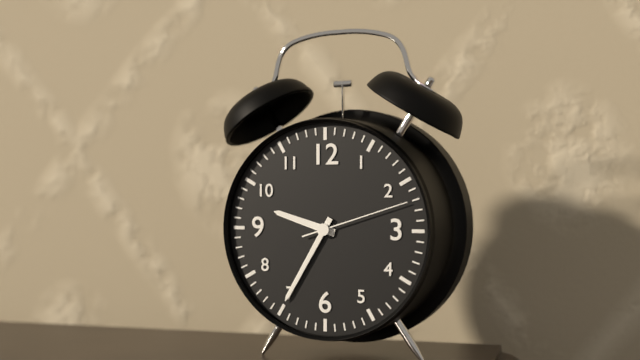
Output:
9,35,12
